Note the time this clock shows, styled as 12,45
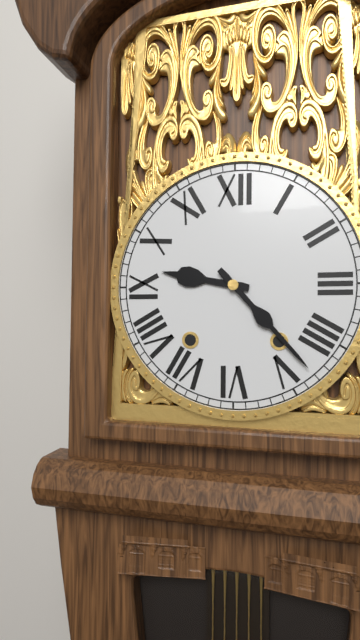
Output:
9,23
